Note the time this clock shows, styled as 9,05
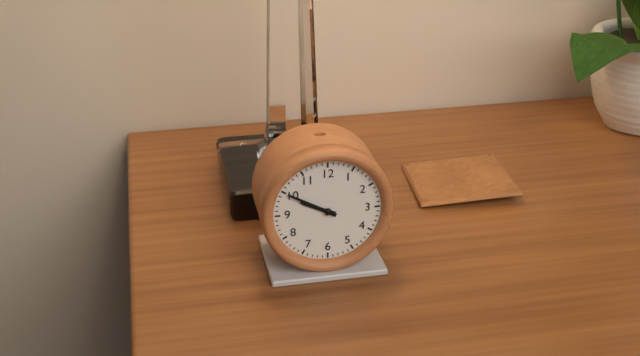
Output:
9,50
